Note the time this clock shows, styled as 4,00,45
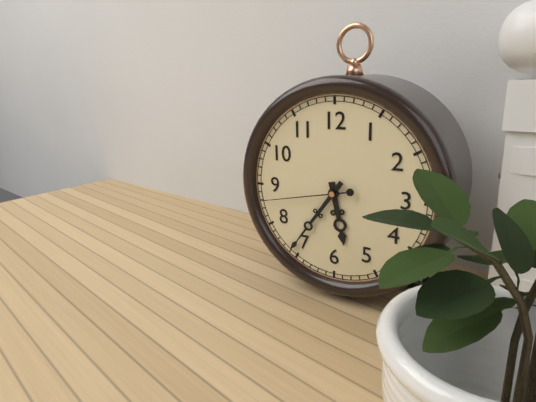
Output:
5,36,43
